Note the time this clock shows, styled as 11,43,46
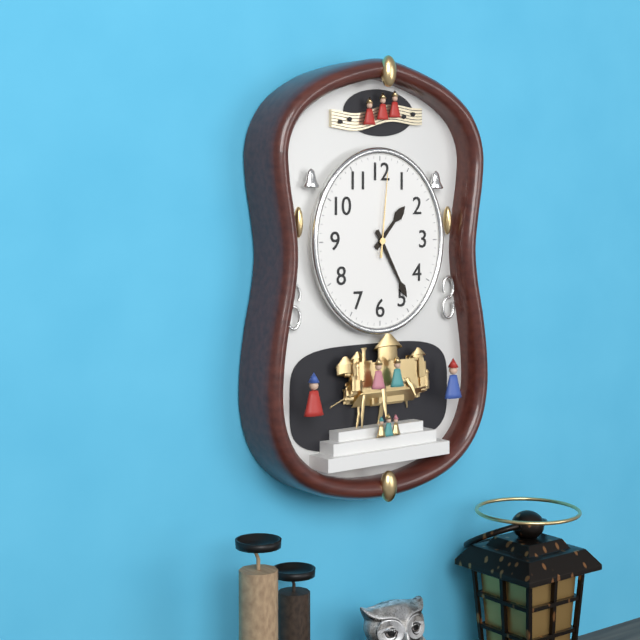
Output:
1,25,01
